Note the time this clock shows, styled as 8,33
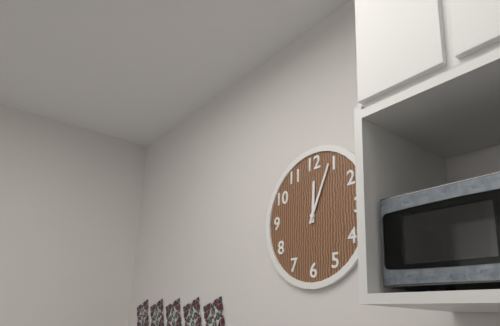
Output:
12,04
